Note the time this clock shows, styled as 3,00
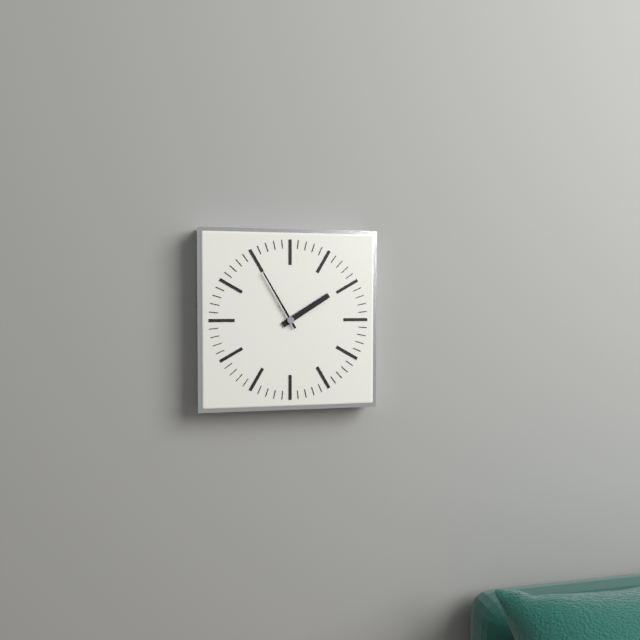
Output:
1,55
